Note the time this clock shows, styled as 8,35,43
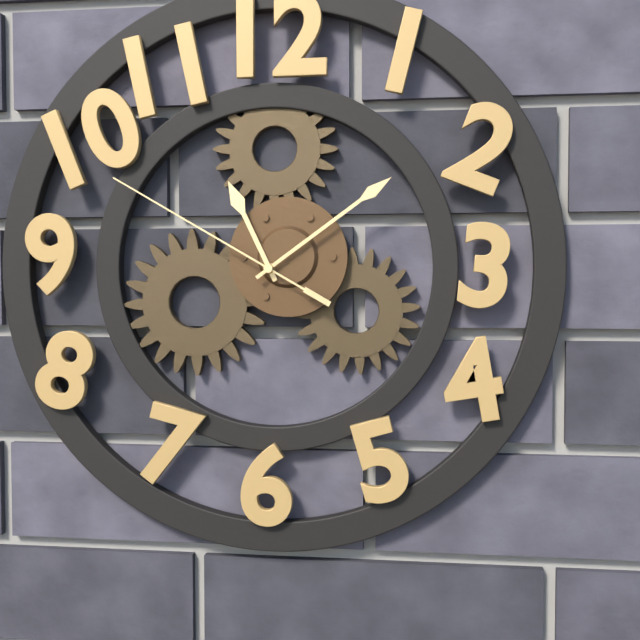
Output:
11,09,50
